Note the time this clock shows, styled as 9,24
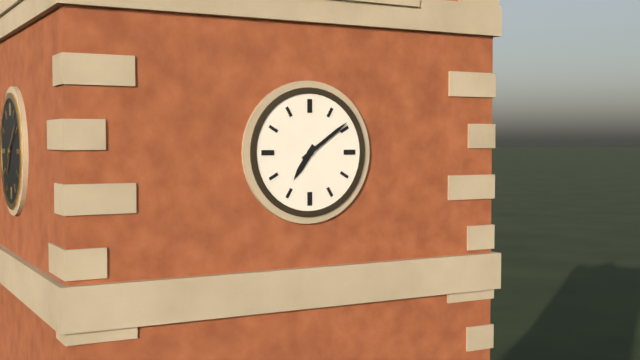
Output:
7,09
